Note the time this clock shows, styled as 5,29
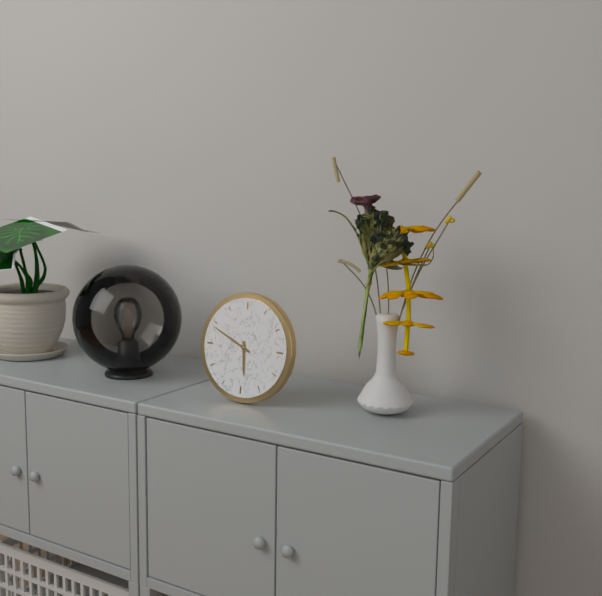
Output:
5,49
